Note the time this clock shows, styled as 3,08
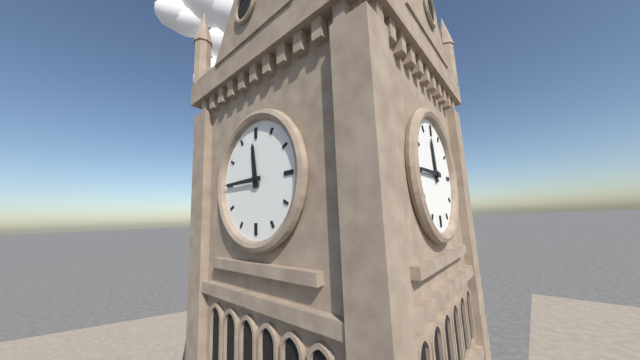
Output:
11,45
